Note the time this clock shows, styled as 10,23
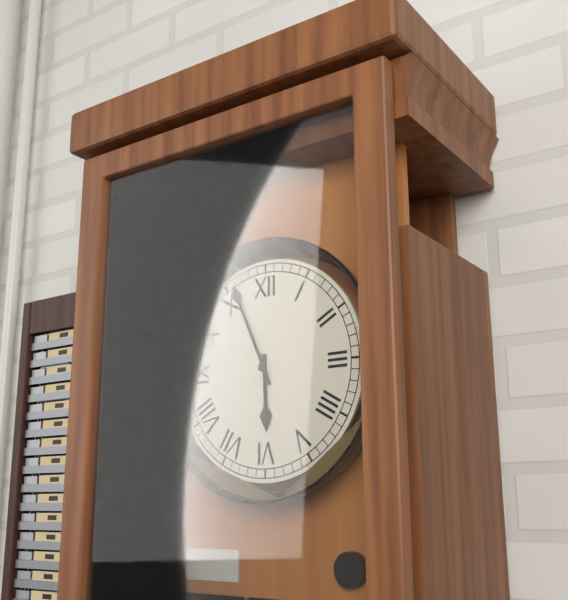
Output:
5,56
